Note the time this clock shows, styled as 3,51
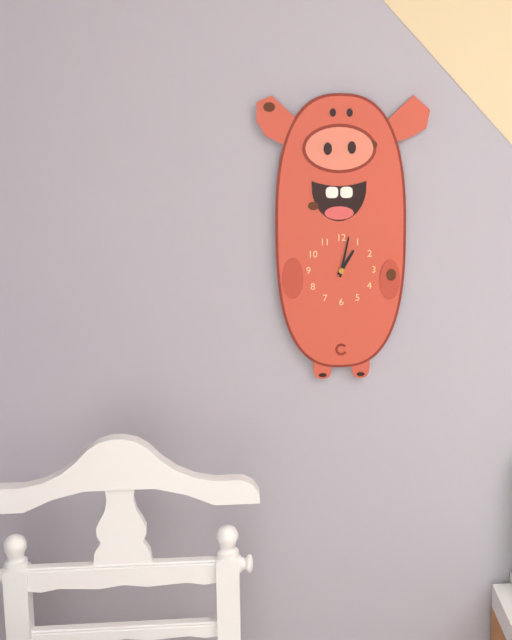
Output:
1,02
